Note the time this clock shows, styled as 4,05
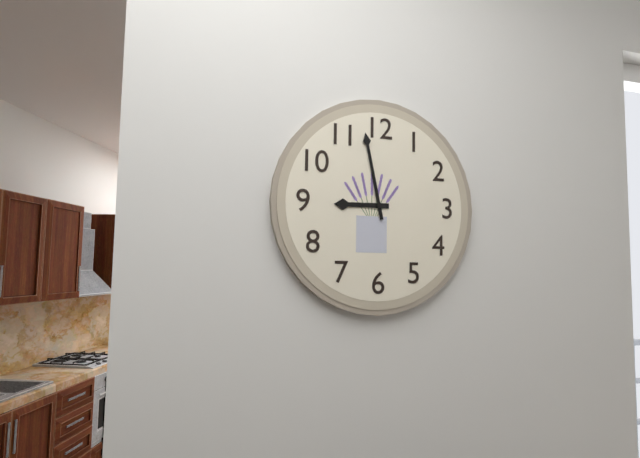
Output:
8,58
